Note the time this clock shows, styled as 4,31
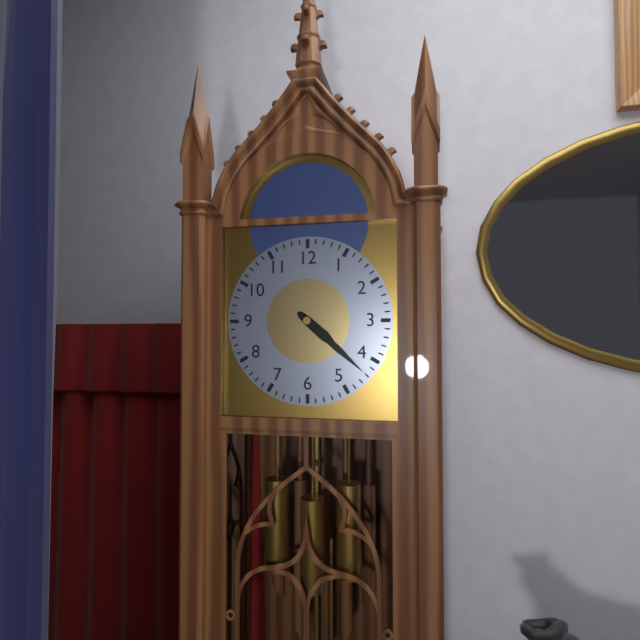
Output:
4,22
